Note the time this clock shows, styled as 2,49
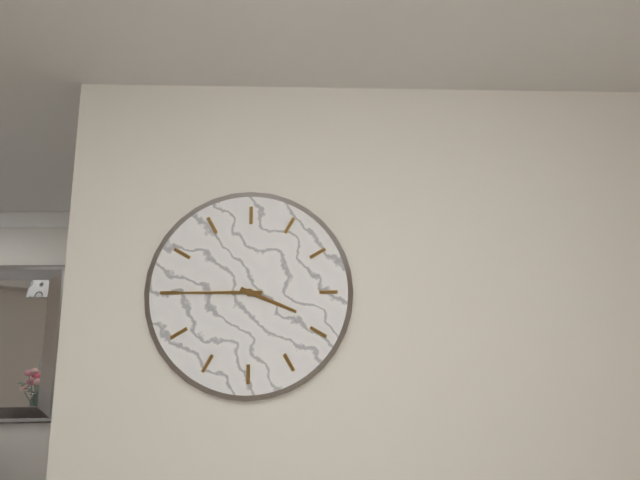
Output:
3,45
